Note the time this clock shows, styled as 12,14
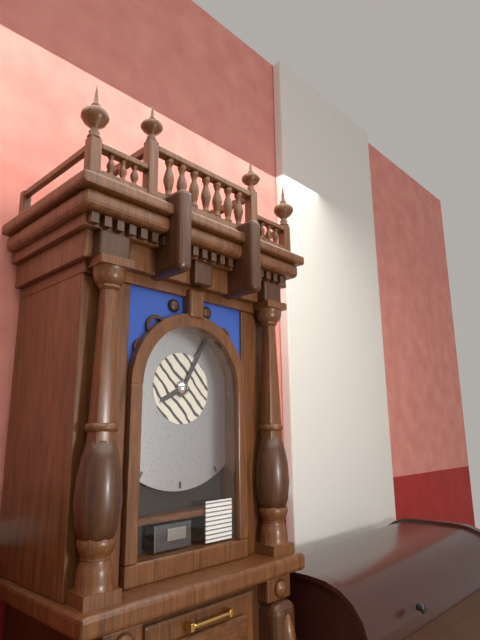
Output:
8,05
